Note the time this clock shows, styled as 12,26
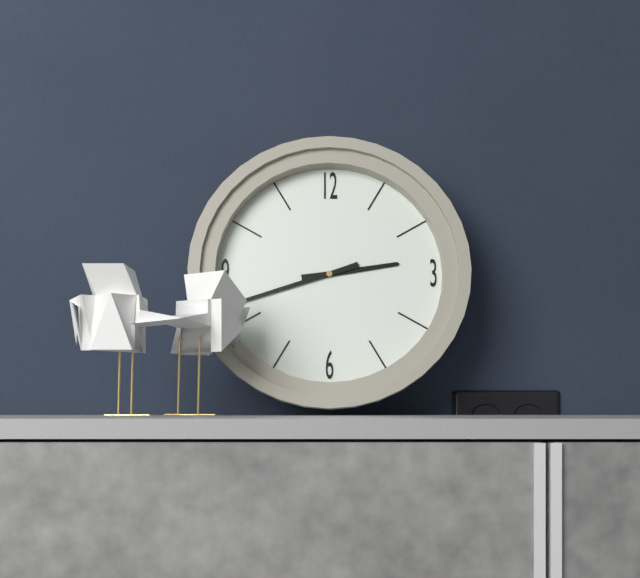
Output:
2,42
